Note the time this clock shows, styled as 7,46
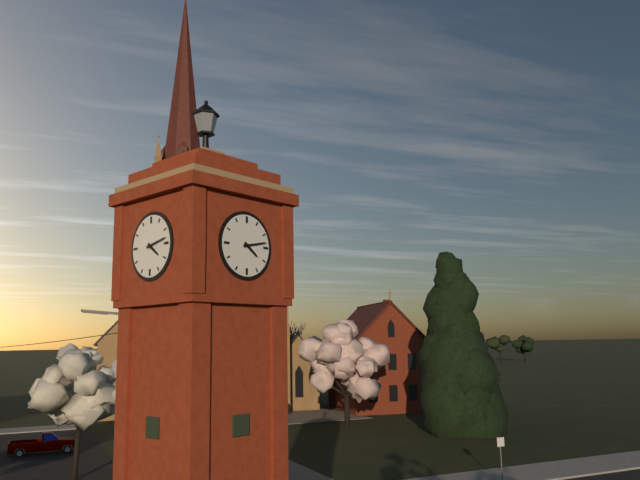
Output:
4,13
